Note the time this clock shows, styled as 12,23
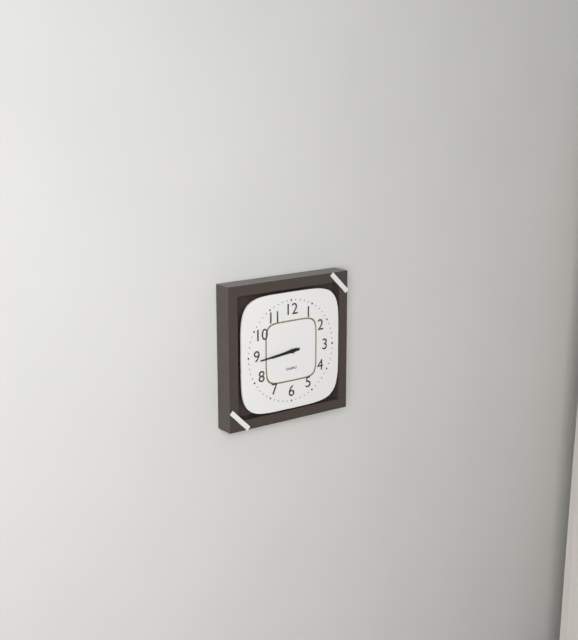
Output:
8,44
